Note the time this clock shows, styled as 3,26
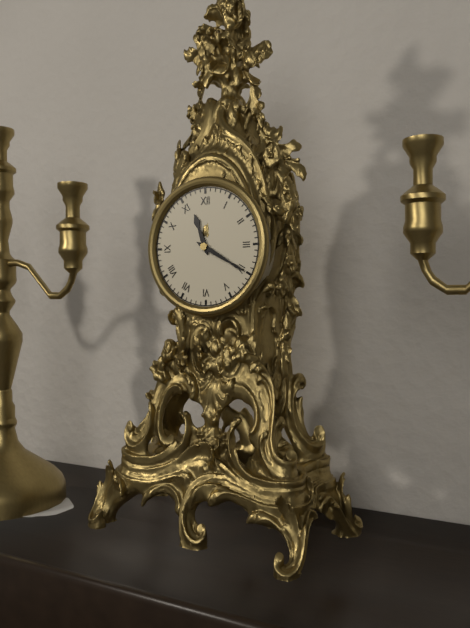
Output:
11,20
